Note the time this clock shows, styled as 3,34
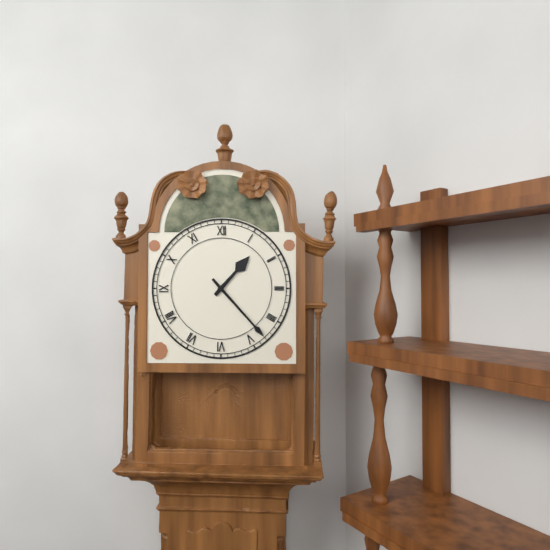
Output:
1,23
